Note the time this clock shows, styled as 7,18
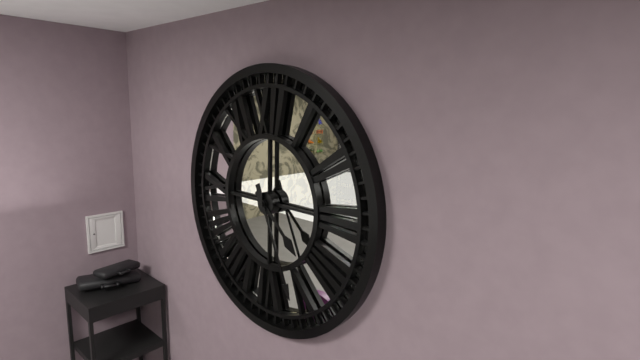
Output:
4,26
